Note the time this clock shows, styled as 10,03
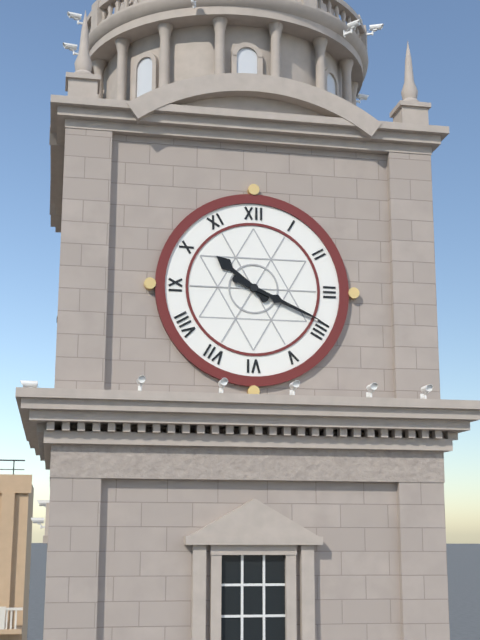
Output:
10,19
